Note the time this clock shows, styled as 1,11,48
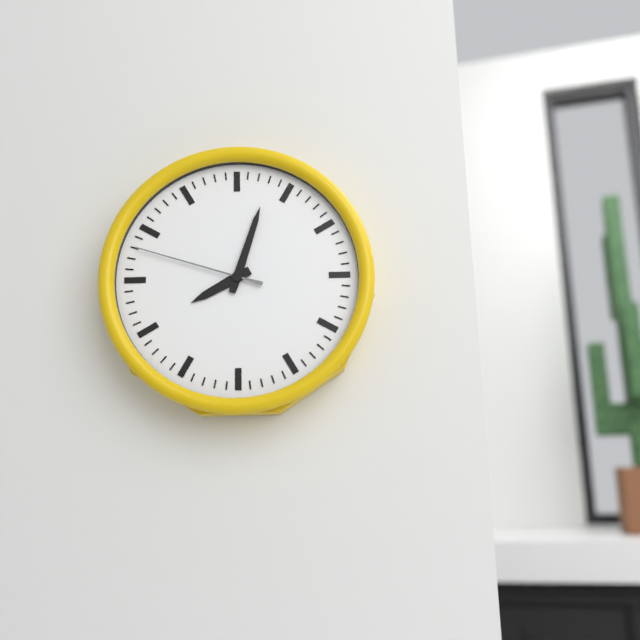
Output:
8,03,48
